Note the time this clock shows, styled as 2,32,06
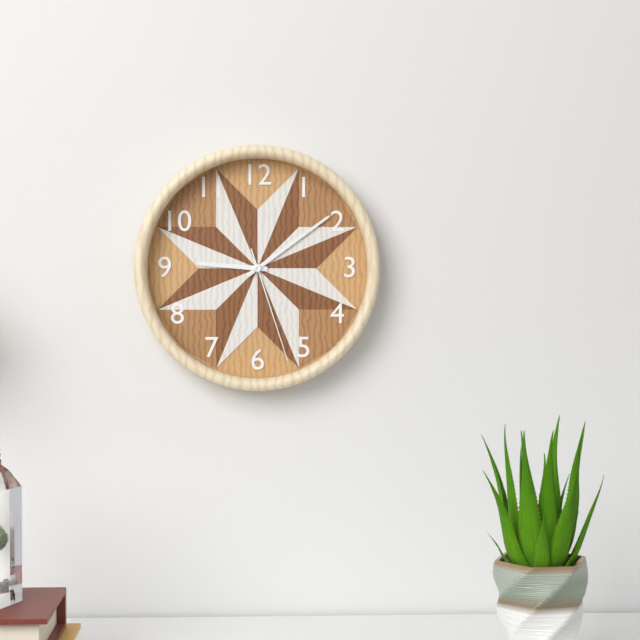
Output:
9,09,27
